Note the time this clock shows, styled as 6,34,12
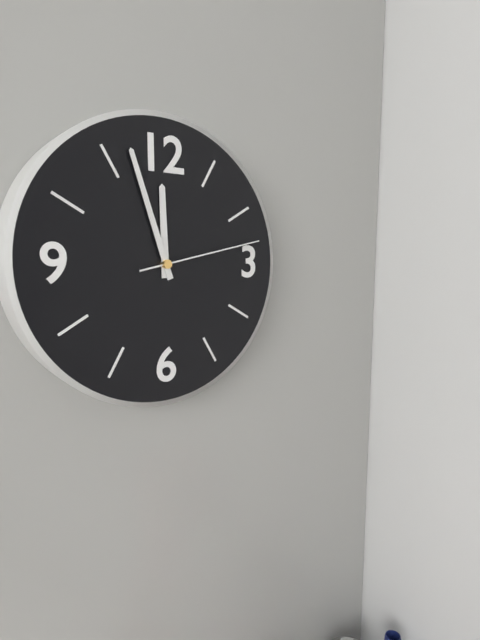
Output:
11,57,13
